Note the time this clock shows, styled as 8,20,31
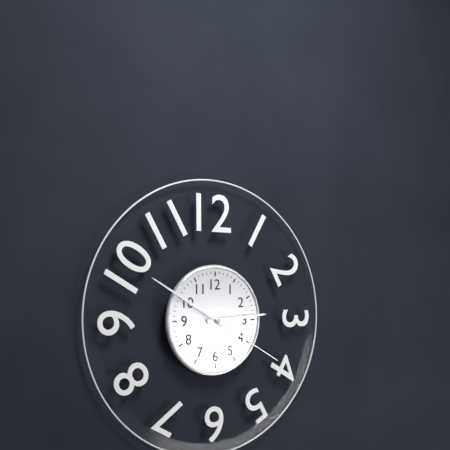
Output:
2,50,20
